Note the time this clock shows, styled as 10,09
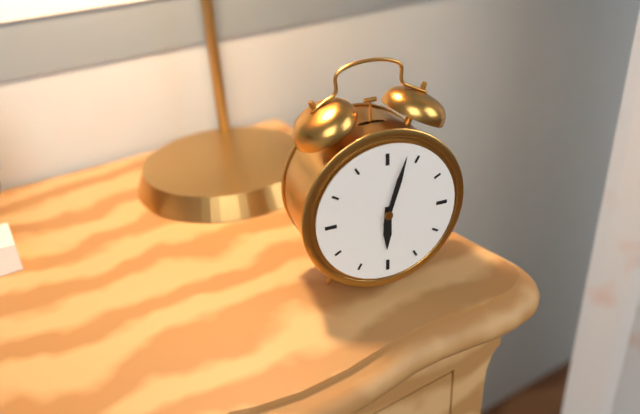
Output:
6,03
